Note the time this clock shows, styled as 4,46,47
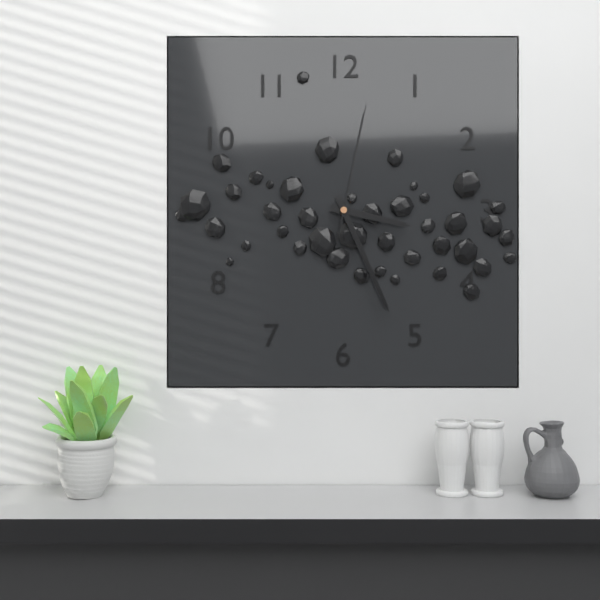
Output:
3,26,02
